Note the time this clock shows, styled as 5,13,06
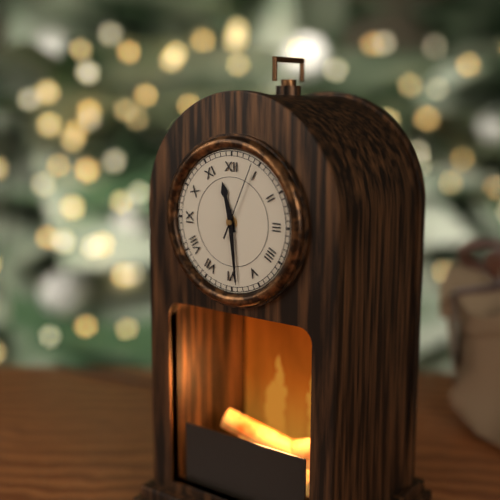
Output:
11,29,04
